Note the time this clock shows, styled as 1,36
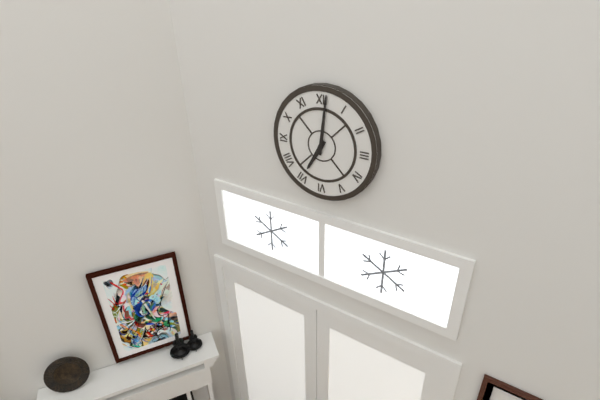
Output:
7,01
